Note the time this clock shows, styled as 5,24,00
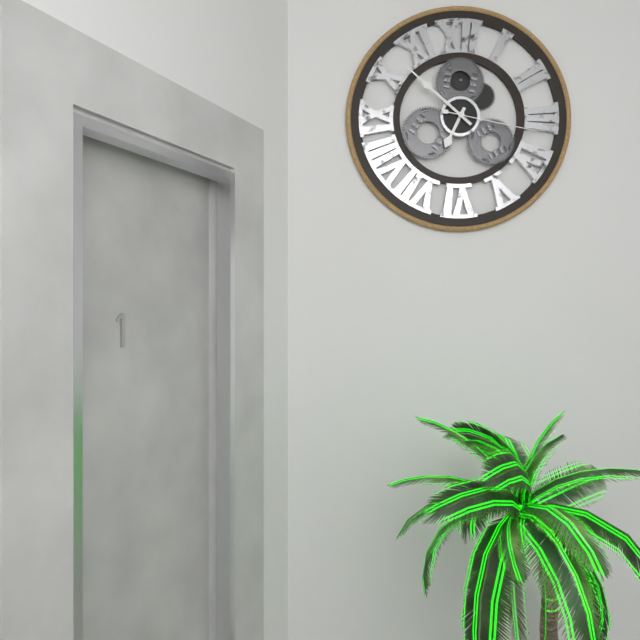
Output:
6,52,17
